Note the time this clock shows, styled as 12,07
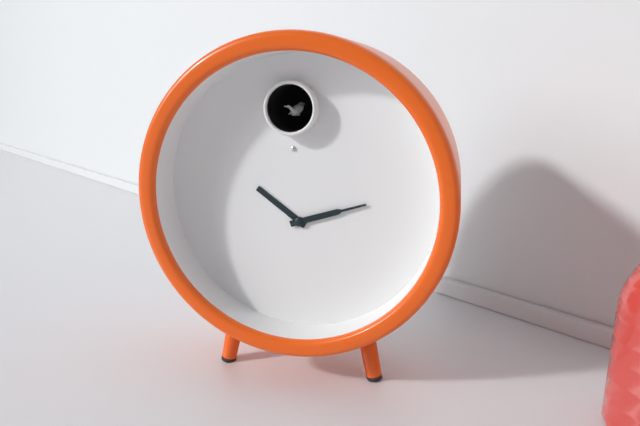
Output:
10,12
